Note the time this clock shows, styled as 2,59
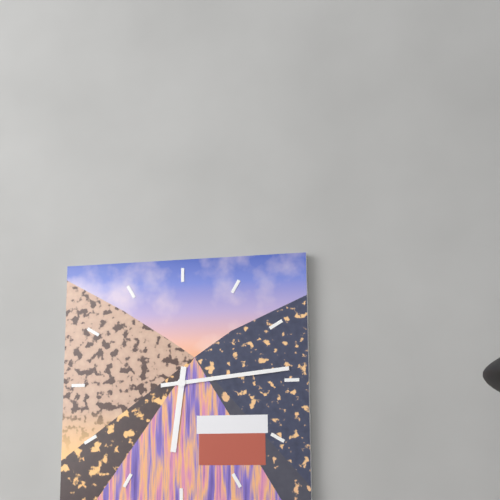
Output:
6,14
